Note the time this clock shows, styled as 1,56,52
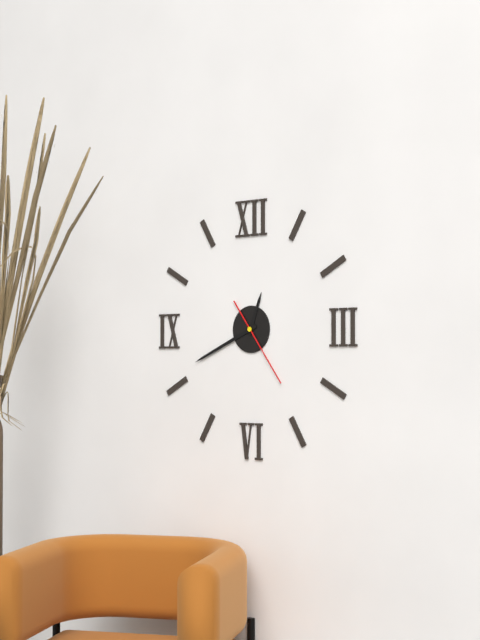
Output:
12,41,24
